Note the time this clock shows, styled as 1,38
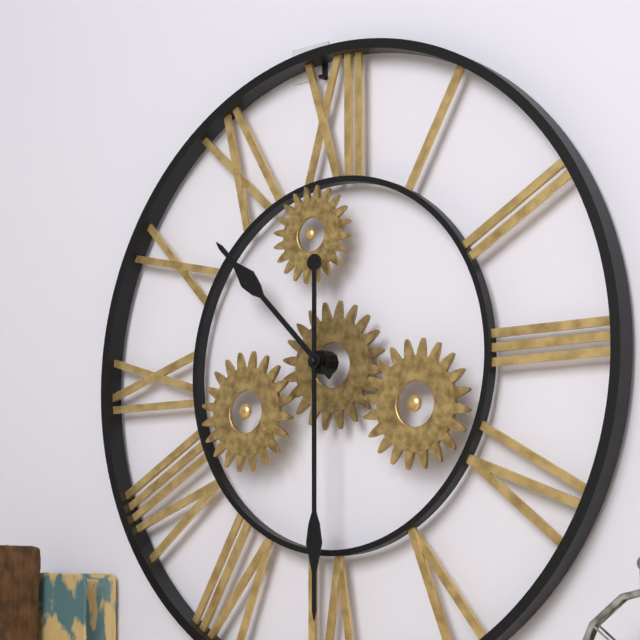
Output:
10,30
